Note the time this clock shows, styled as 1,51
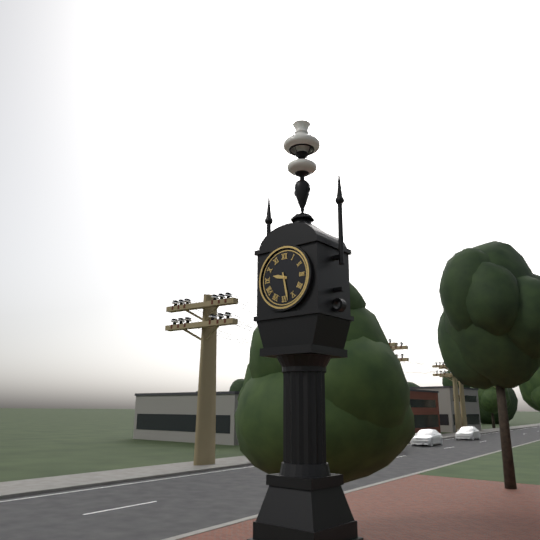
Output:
9,28
